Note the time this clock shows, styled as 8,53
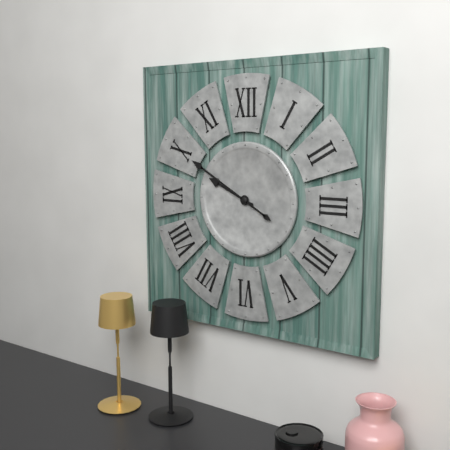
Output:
9,50
